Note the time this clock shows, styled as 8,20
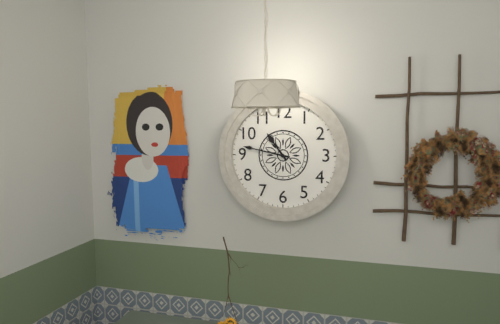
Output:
10,47
